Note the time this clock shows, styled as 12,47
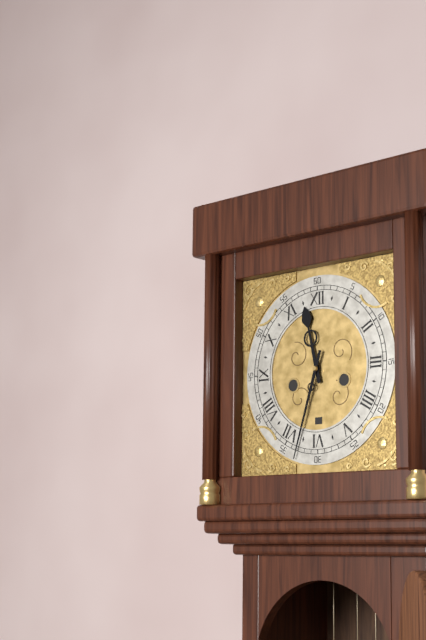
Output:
11,33
